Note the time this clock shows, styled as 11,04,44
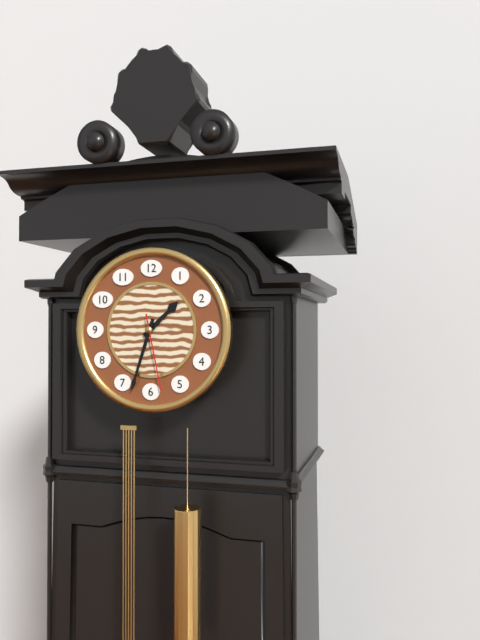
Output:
1,33,28
